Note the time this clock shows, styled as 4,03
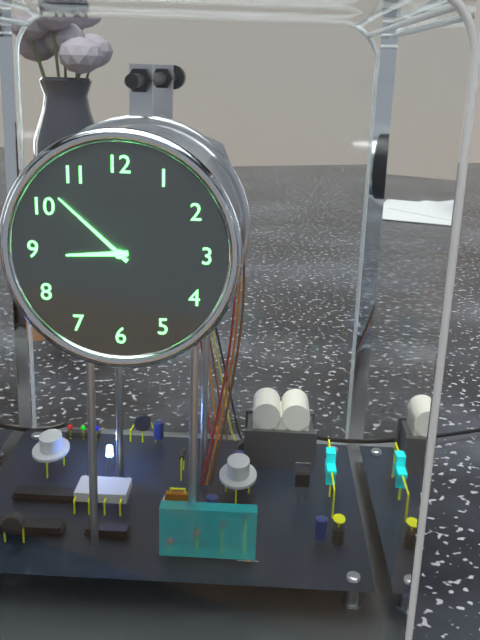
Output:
8,52
